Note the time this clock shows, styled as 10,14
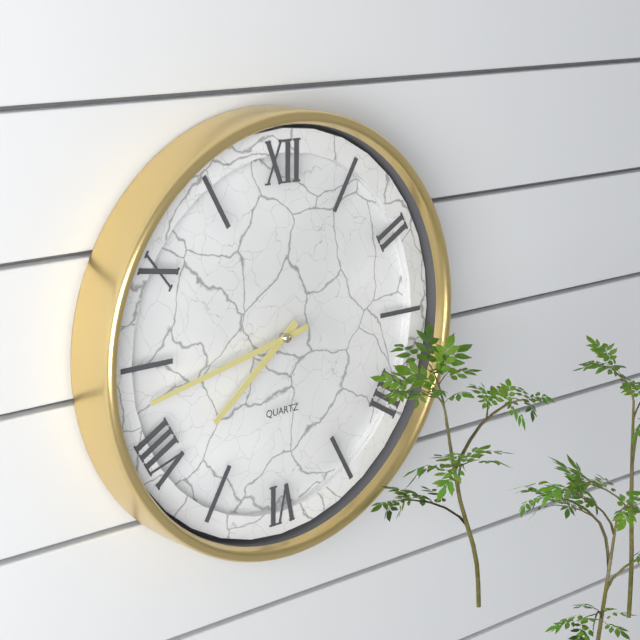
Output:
7,43
